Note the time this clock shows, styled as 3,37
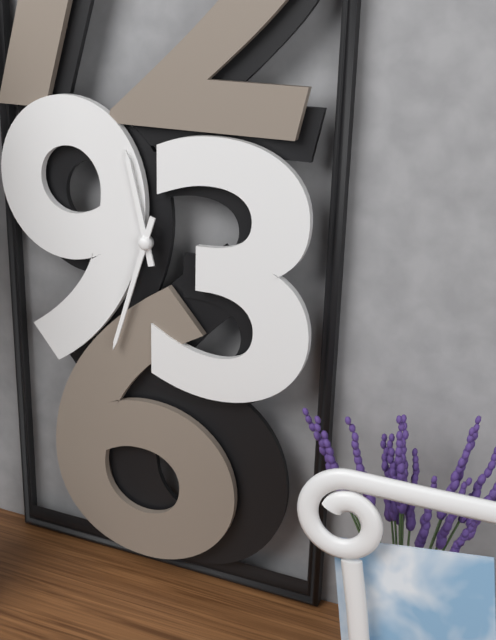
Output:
11,33
